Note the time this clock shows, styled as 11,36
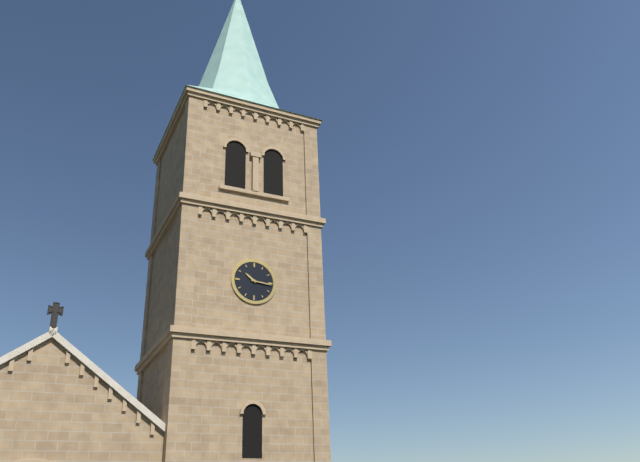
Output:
10,16
